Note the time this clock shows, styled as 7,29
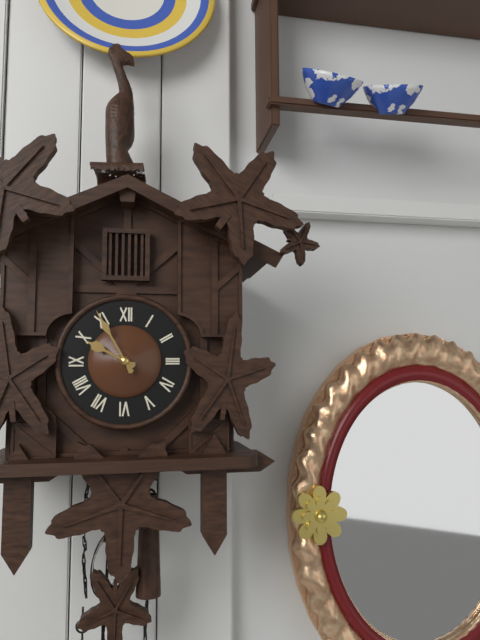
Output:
9,55
